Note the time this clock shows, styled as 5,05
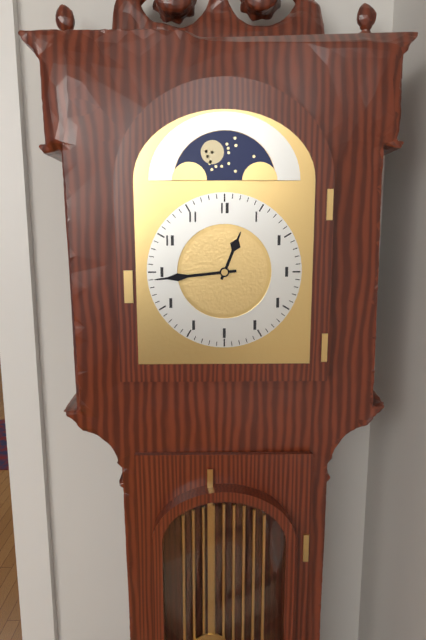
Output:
12,44
